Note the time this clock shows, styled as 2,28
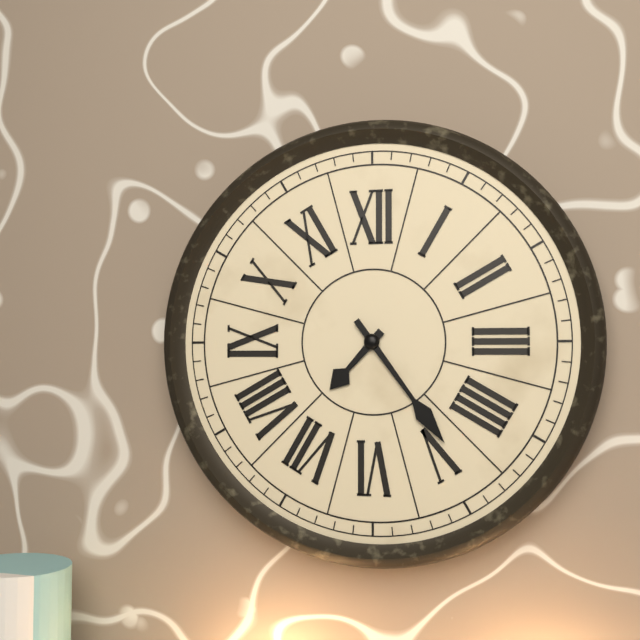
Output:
7,24
